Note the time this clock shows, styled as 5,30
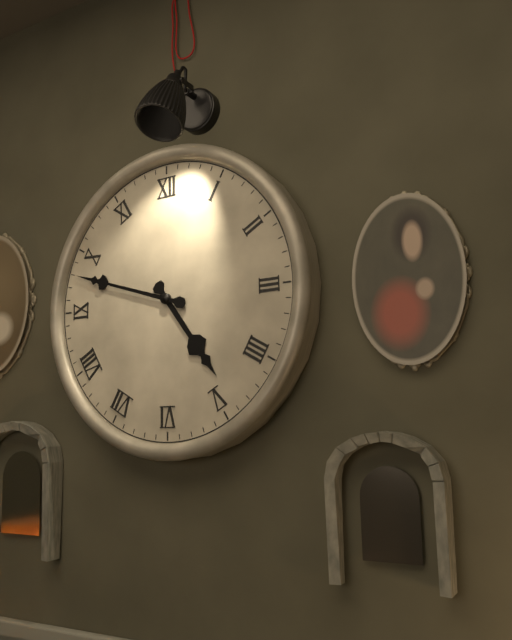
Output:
4,48
